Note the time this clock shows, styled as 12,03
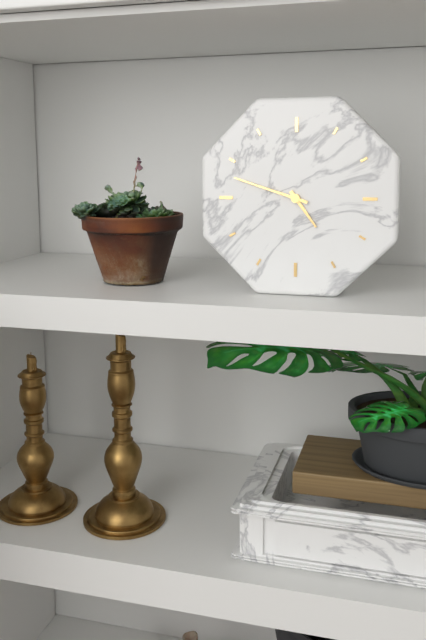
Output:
4,48
